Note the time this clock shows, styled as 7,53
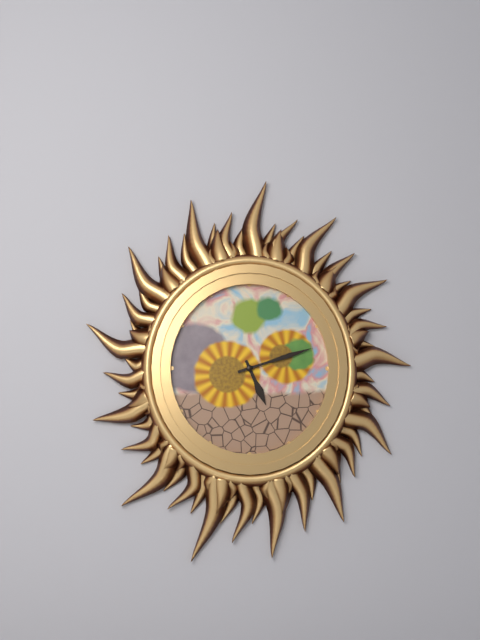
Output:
5,12
